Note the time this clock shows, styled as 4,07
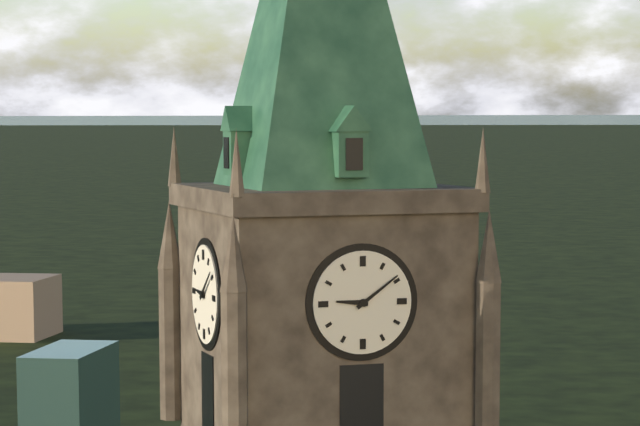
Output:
9,09
